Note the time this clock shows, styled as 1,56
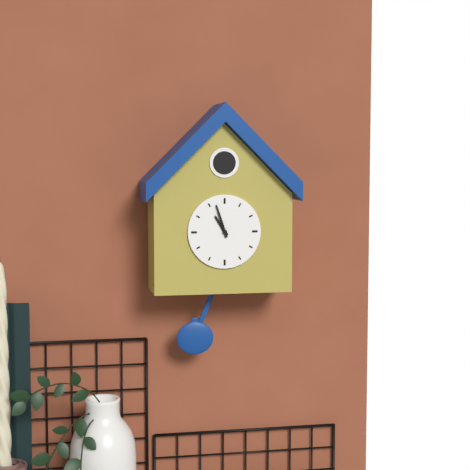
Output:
10,57
